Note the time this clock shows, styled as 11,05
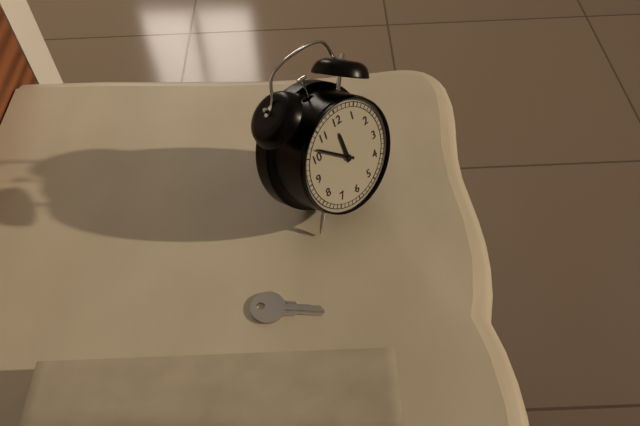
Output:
11,52
